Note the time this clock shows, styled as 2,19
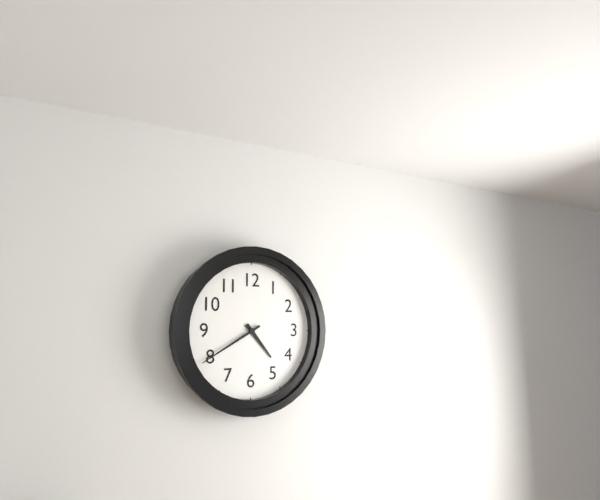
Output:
4,40
